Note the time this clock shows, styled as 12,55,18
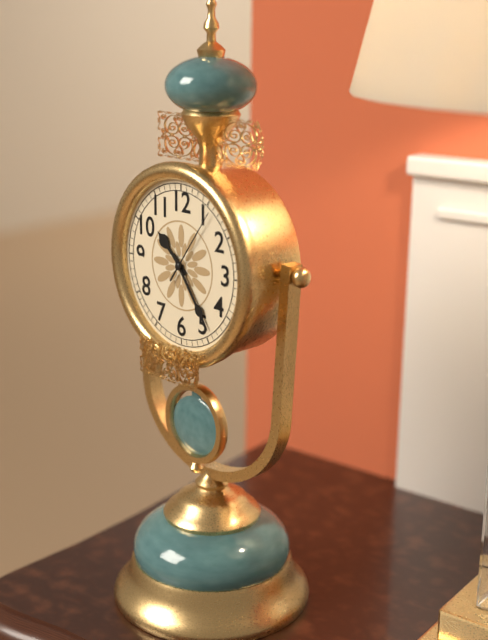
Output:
10,24,06
